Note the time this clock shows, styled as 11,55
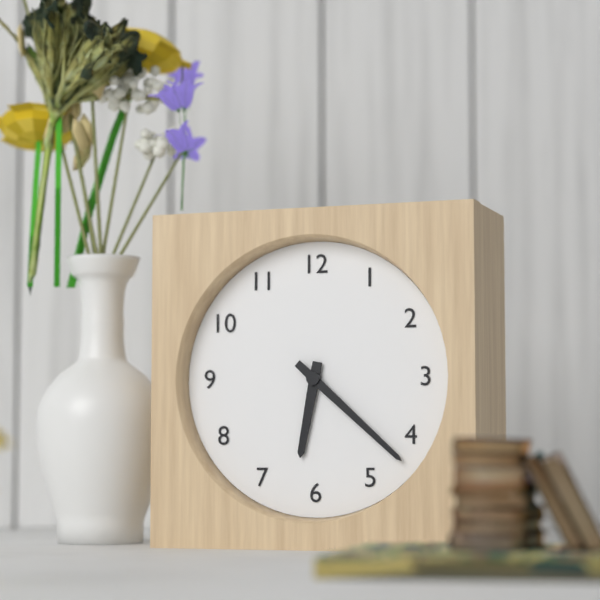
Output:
6,22
